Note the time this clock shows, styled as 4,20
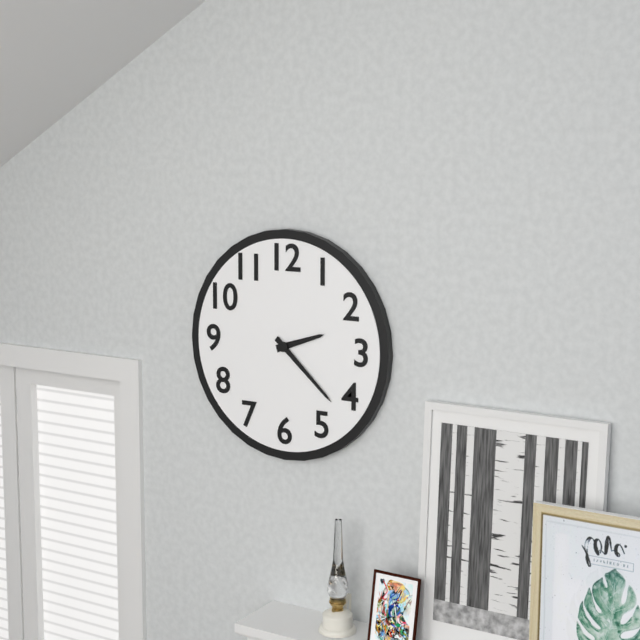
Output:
2,22
